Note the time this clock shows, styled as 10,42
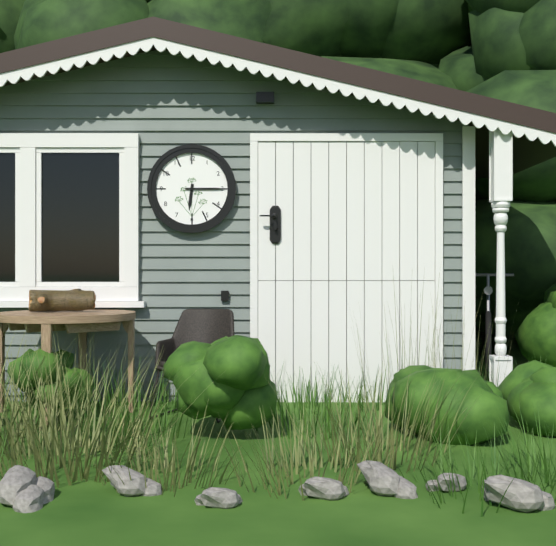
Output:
6,15
